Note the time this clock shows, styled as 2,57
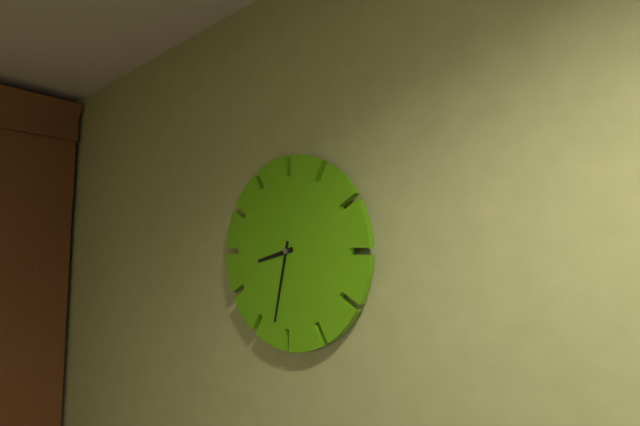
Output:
8,32
